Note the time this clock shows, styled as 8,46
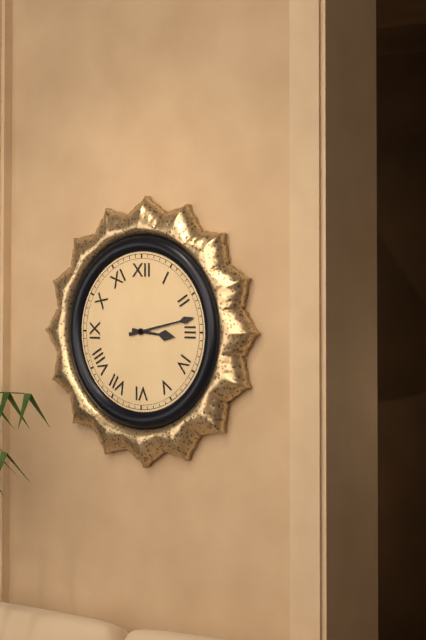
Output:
3,13
